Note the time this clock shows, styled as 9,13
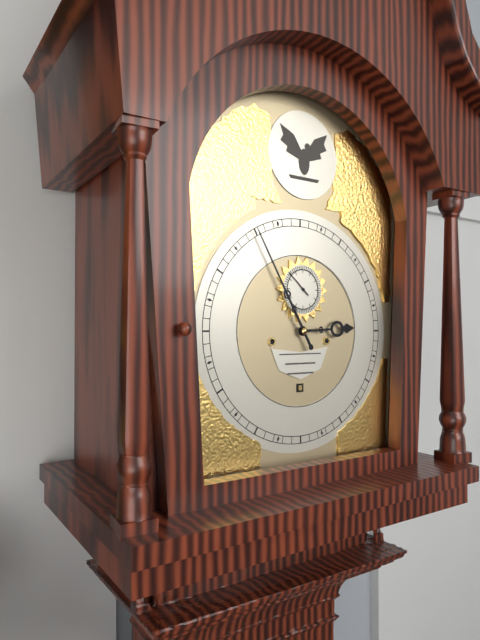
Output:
2,55
